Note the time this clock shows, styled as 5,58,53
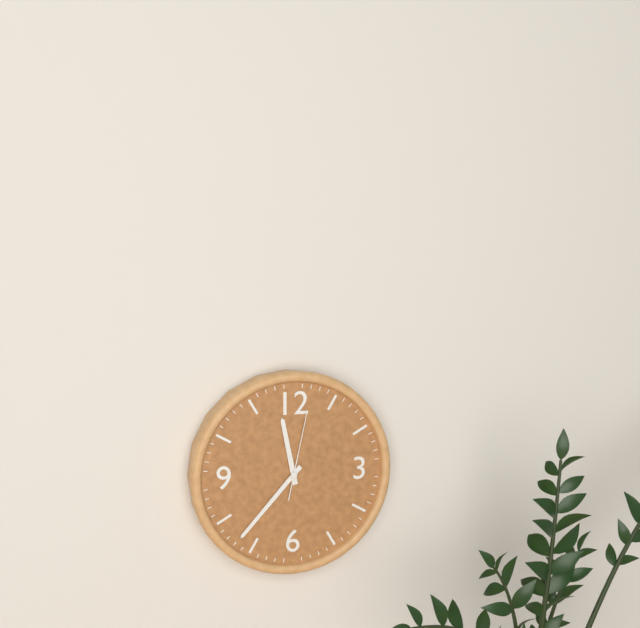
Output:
11,37,02
